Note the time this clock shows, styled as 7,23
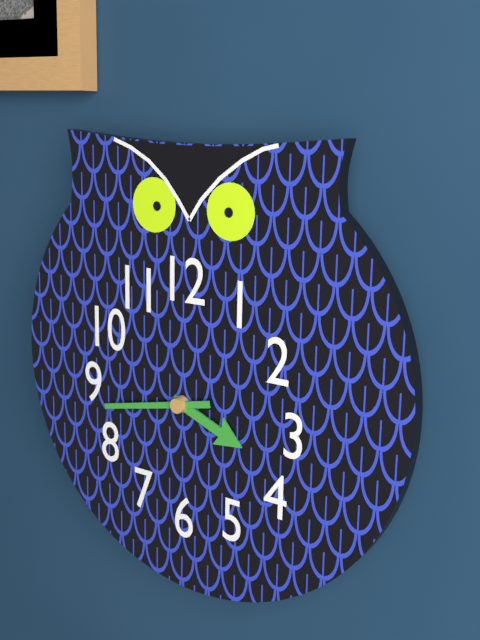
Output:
3,43
